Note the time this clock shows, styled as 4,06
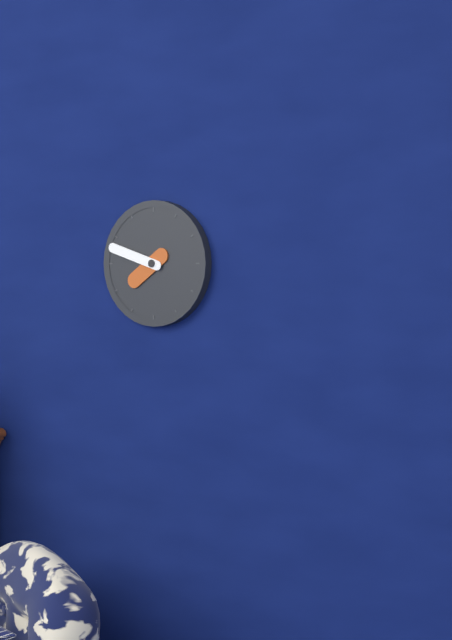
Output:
7,48
